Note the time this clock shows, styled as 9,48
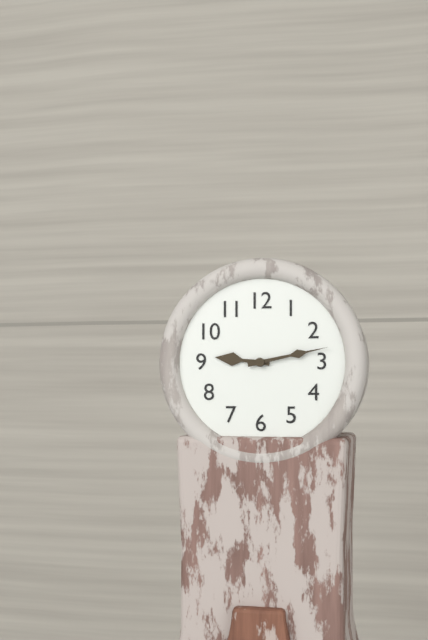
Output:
9,13
